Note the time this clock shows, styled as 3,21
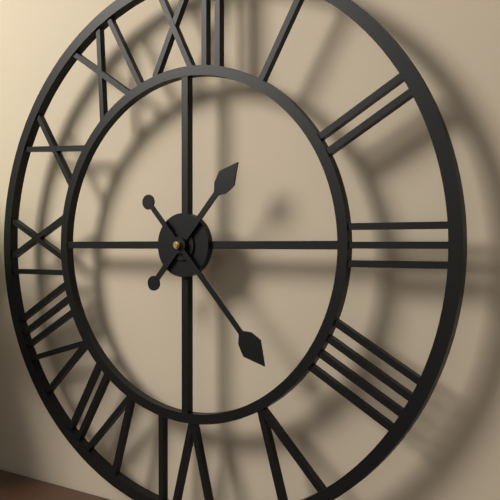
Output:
1,23
